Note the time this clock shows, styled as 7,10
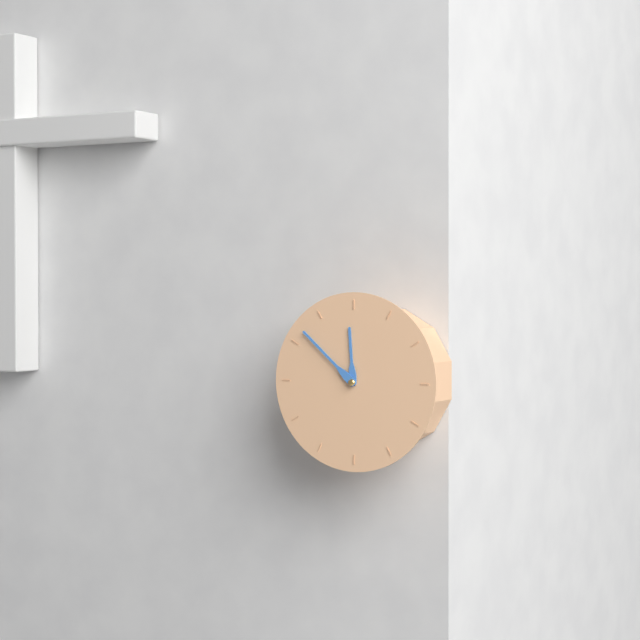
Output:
11,52
